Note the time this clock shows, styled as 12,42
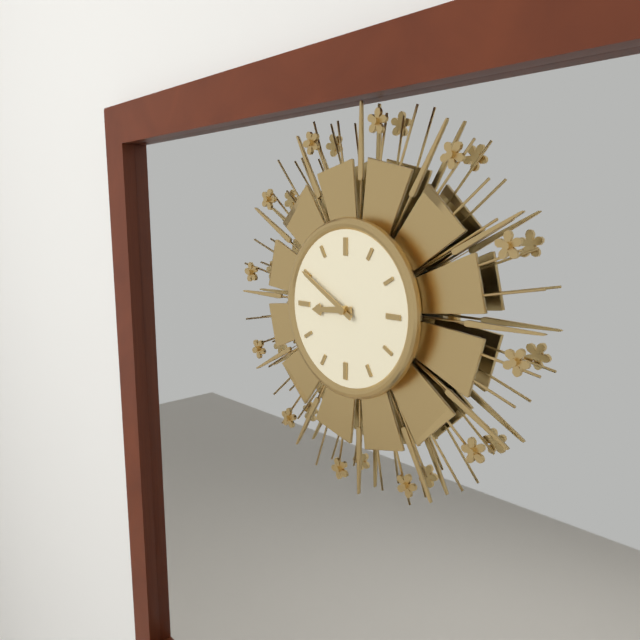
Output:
8,50
